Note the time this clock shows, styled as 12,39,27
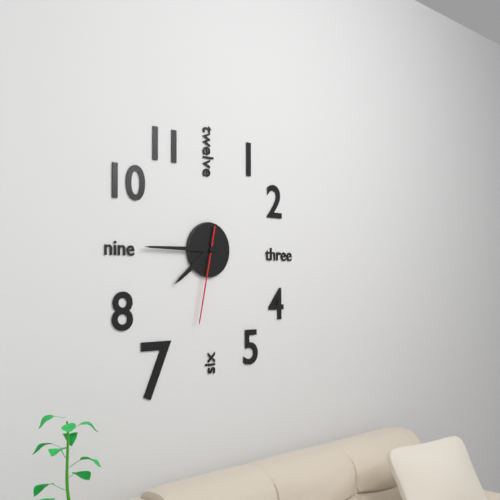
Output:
7,45,32
